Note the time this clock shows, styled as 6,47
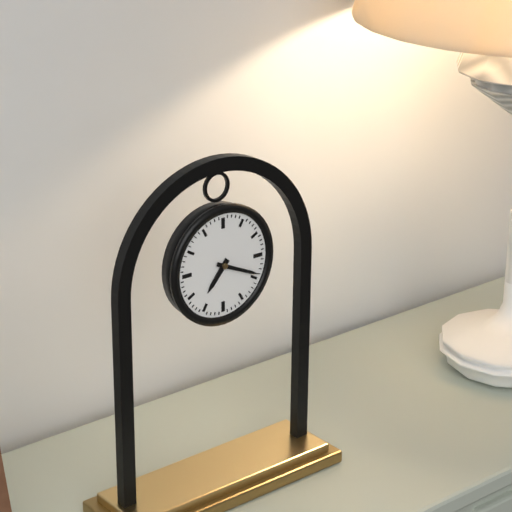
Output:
7,19
